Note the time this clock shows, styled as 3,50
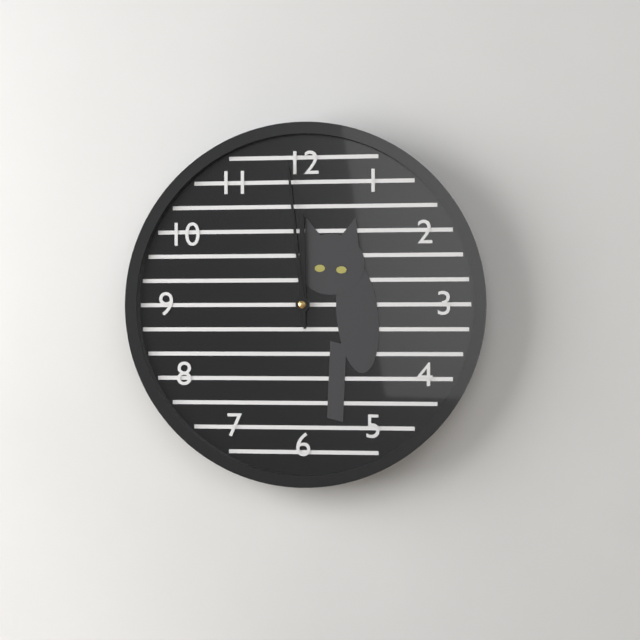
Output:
11,59
